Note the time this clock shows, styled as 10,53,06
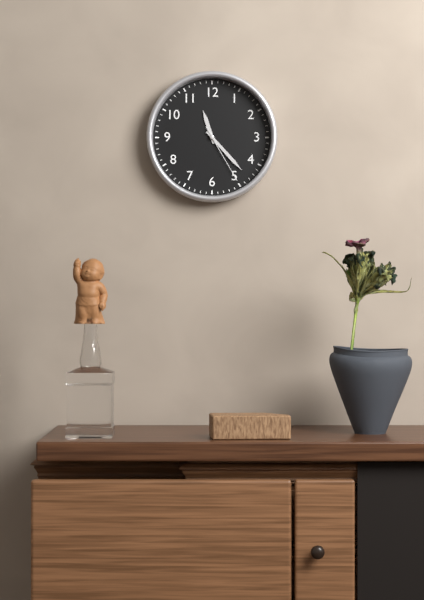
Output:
11,23,25
